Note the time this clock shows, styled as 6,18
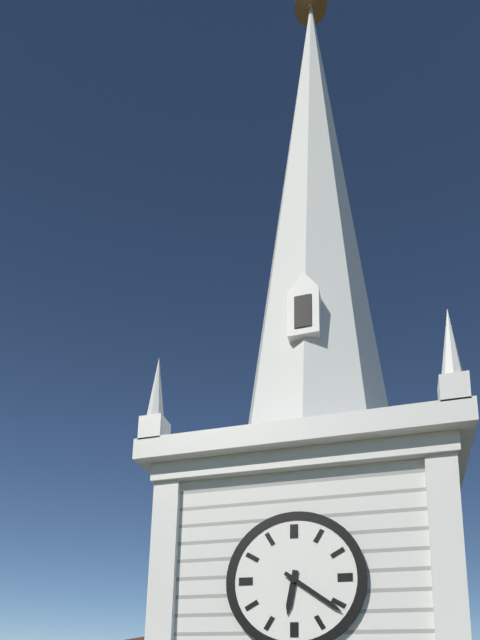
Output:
6,21
